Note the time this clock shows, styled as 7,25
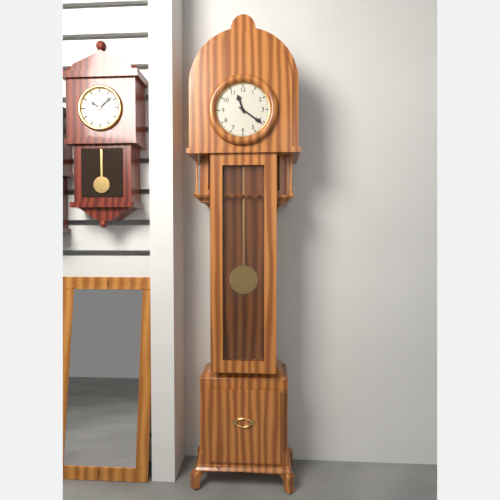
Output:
11,21
